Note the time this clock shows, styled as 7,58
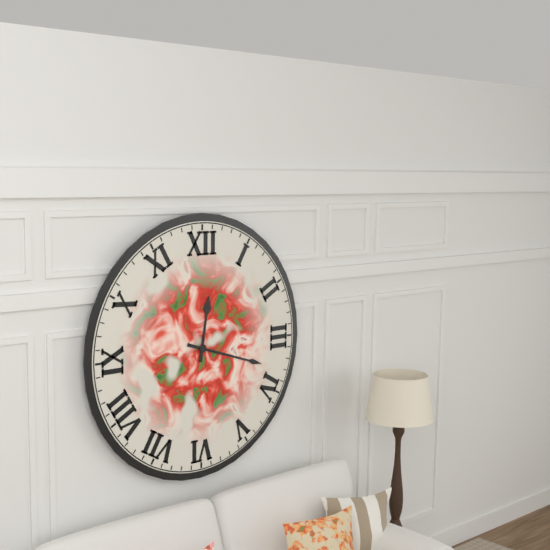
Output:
12,18
